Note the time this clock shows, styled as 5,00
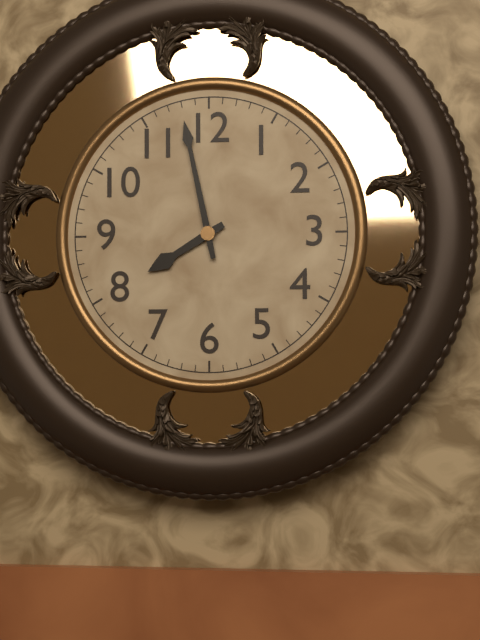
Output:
7,58
